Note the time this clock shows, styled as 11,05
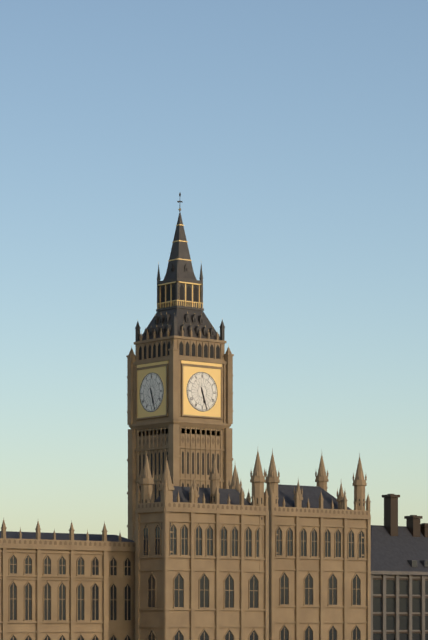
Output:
5,27
